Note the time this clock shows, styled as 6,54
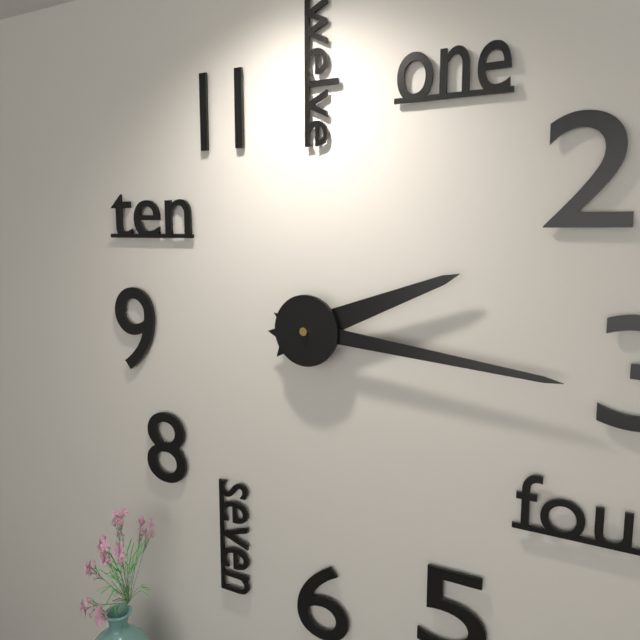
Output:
2,16
